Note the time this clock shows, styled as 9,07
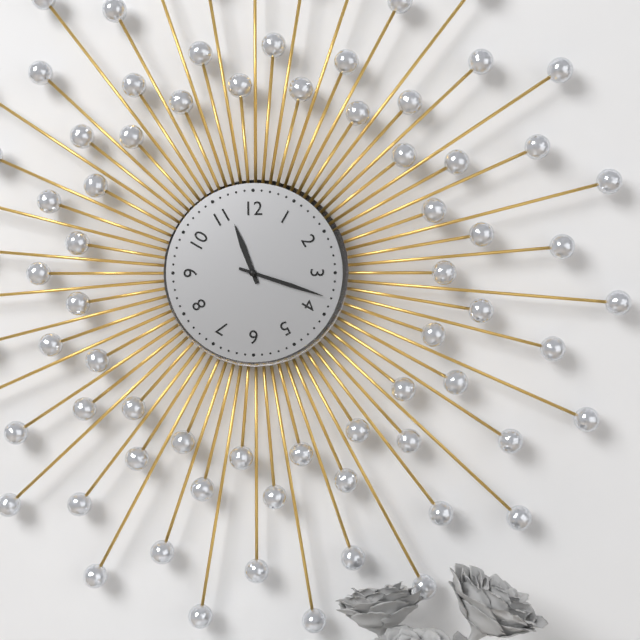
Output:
11,18
